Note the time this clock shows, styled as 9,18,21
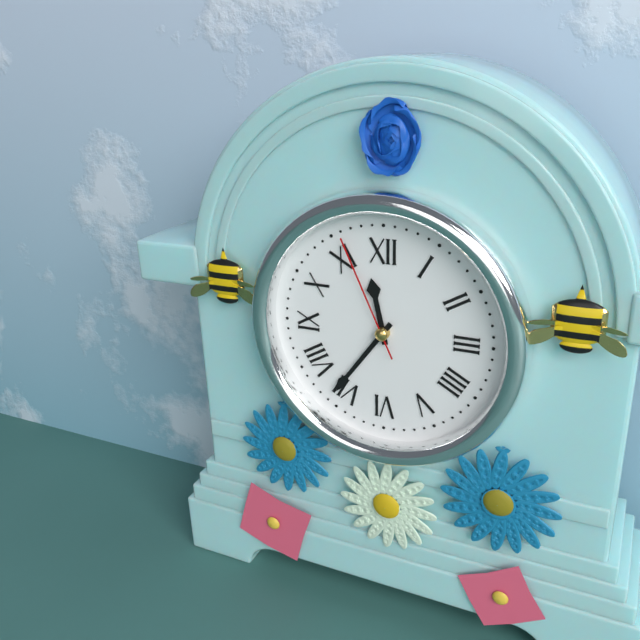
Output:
11,36,56
